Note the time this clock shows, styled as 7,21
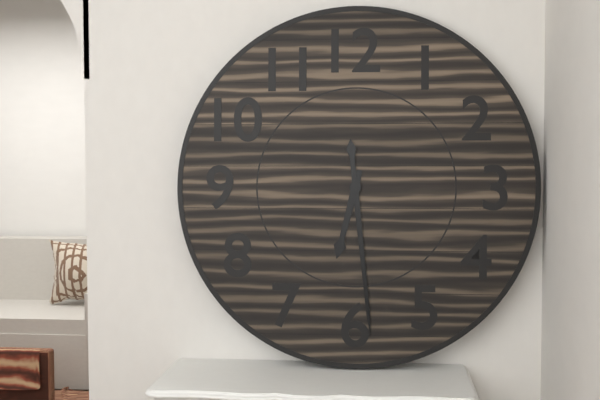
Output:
6,29
